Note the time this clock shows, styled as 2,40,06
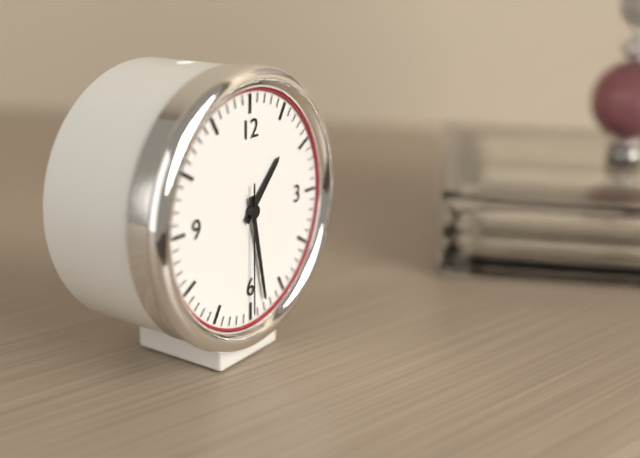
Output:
1,28,30
